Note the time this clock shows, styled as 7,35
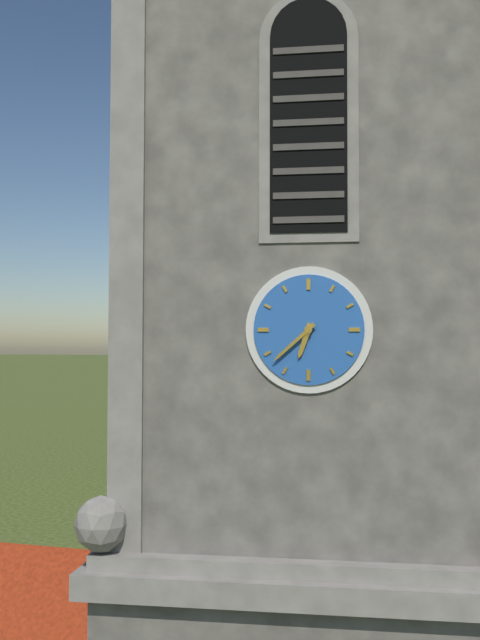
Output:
6,38
